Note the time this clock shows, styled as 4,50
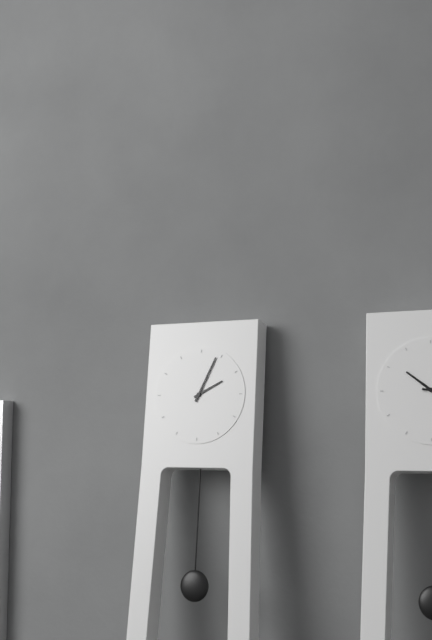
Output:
2,04
